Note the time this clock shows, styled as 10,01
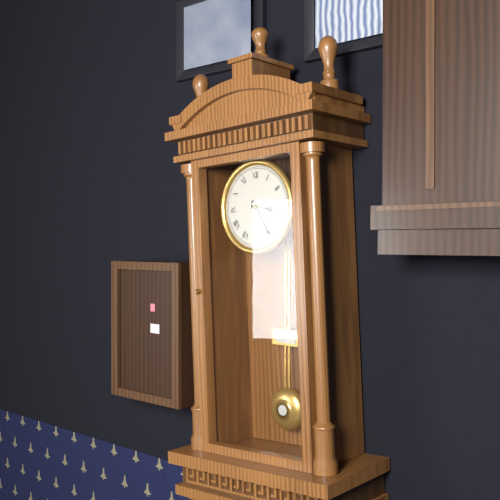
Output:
3,25
